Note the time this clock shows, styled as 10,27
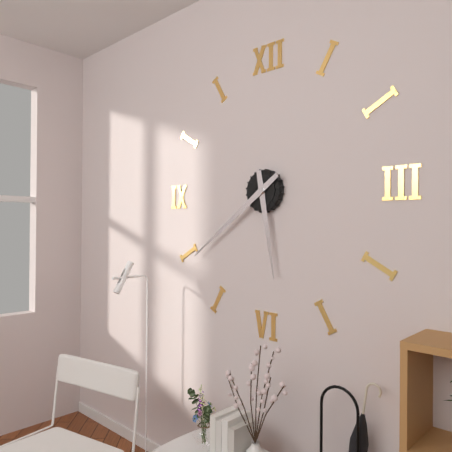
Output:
5,39
